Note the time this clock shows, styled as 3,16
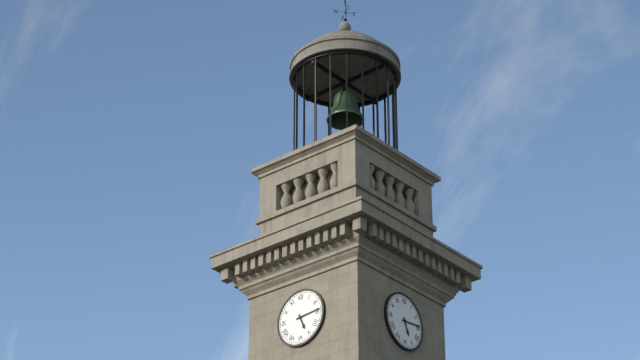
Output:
5,14
